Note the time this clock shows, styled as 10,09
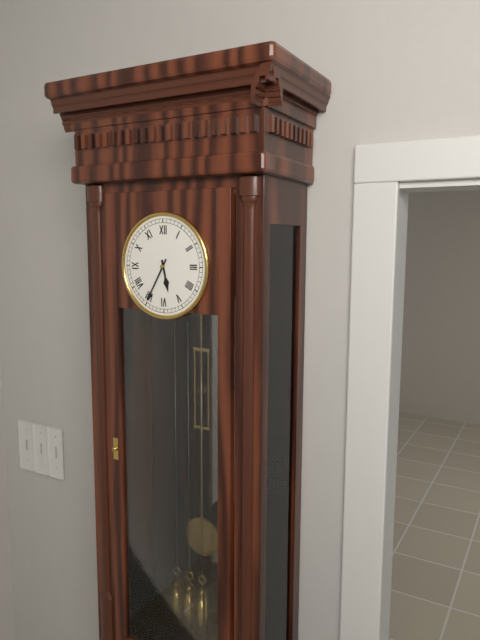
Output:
5,35
